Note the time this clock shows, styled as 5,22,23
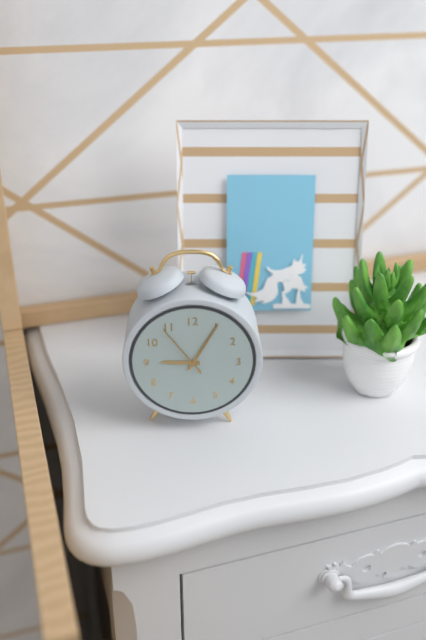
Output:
9,05,54
